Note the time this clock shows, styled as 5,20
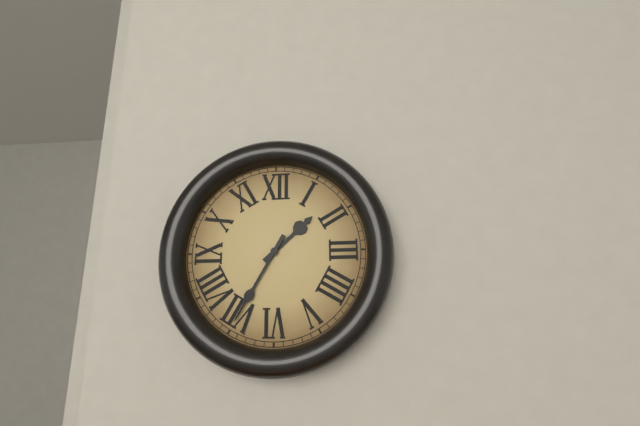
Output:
1,35
